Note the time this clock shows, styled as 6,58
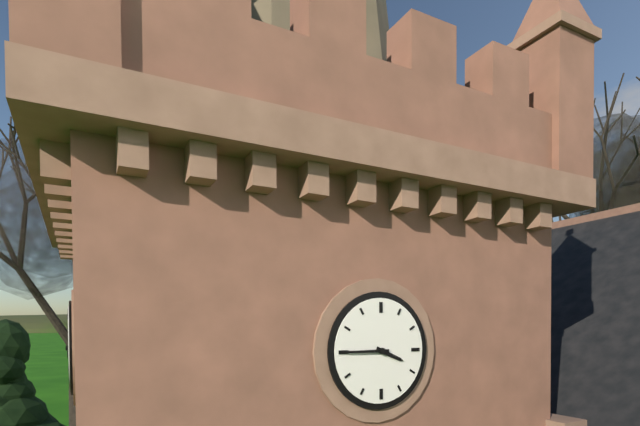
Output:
3,45
